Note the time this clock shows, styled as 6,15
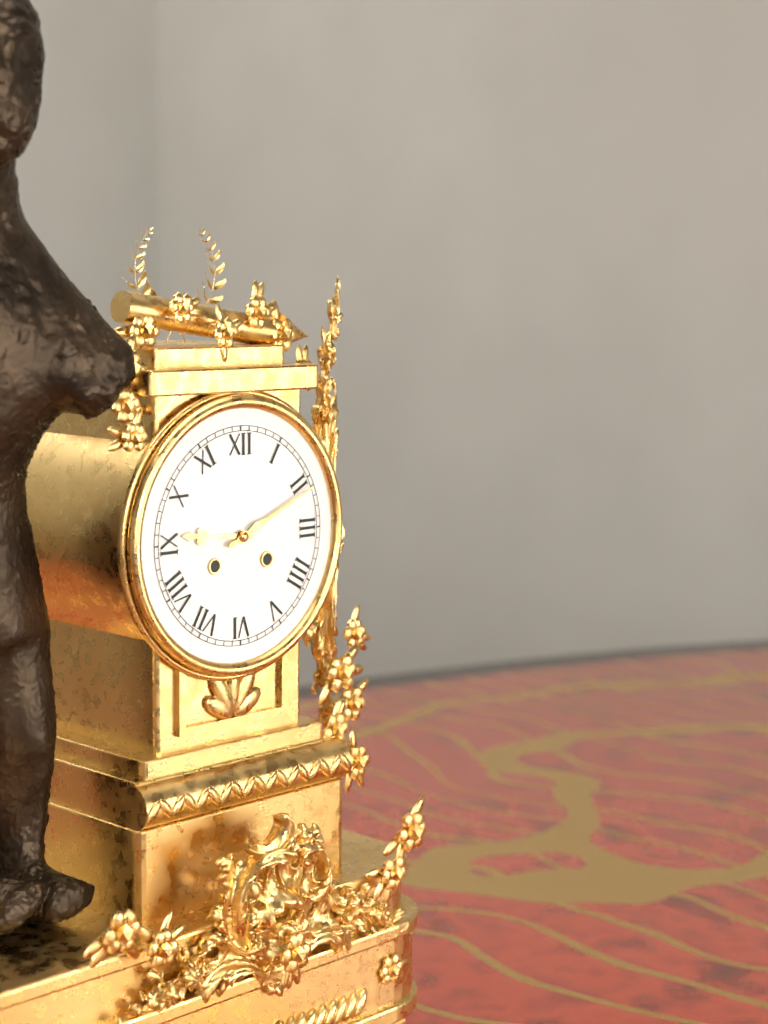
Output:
9,11
